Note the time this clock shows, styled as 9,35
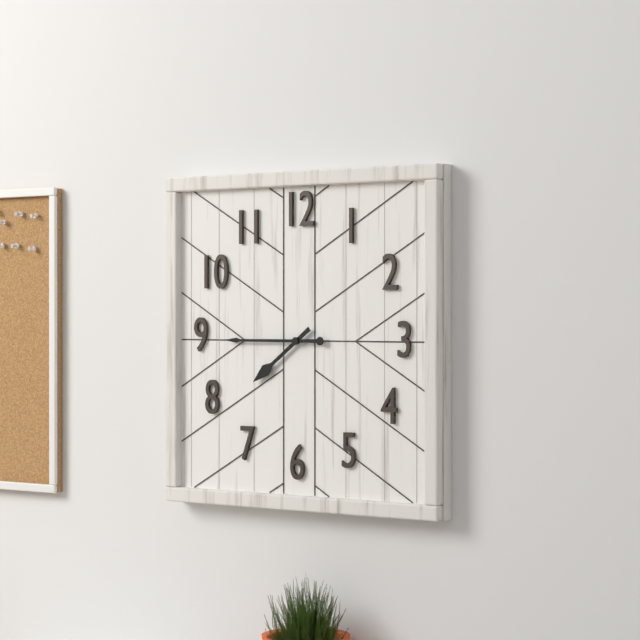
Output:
7,45
